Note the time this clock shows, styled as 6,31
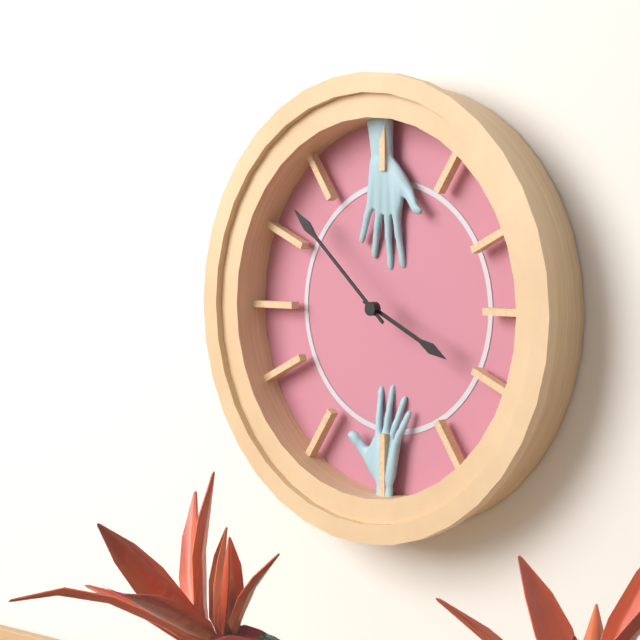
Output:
3,52
